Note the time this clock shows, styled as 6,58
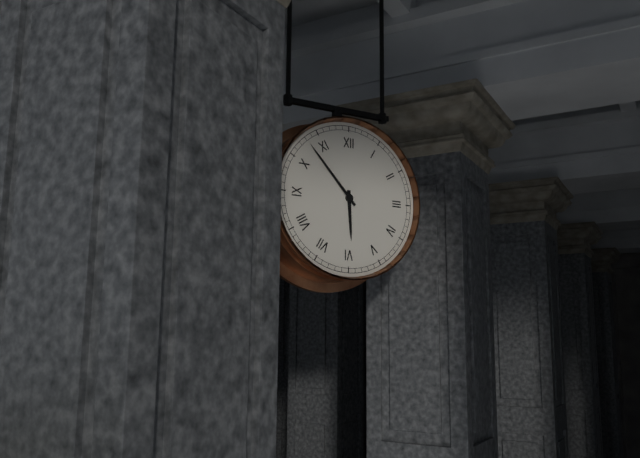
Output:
5,53
